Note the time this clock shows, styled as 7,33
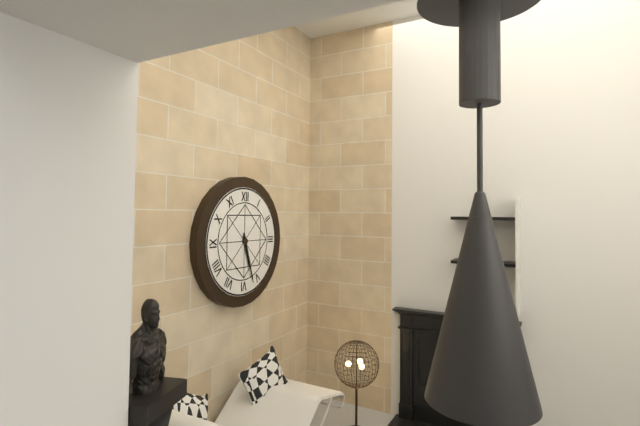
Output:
5,27
